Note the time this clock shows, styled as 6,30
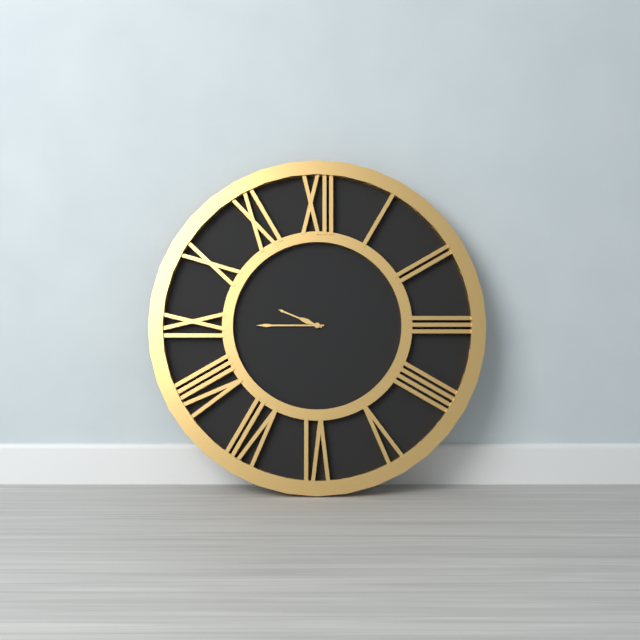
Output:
9,45
